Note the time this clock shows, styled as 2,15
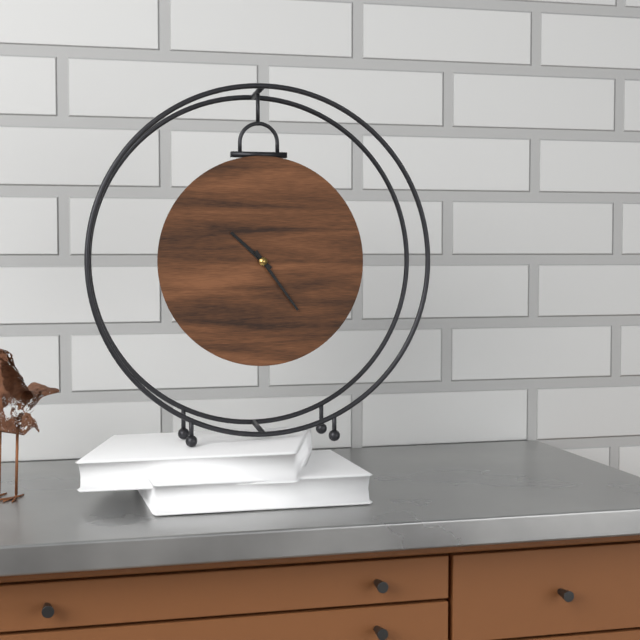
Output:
10,24
